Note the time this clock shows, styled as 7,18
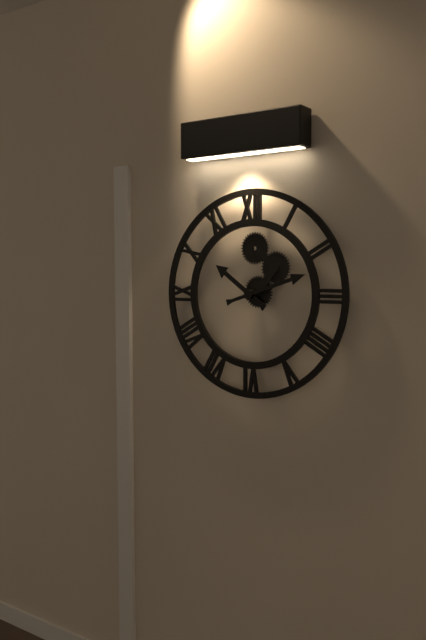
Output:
10,12
